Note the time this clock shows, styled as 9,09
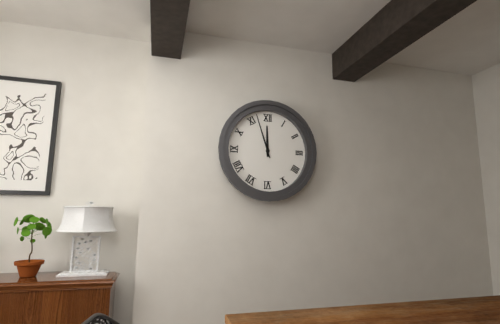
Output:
11,57
